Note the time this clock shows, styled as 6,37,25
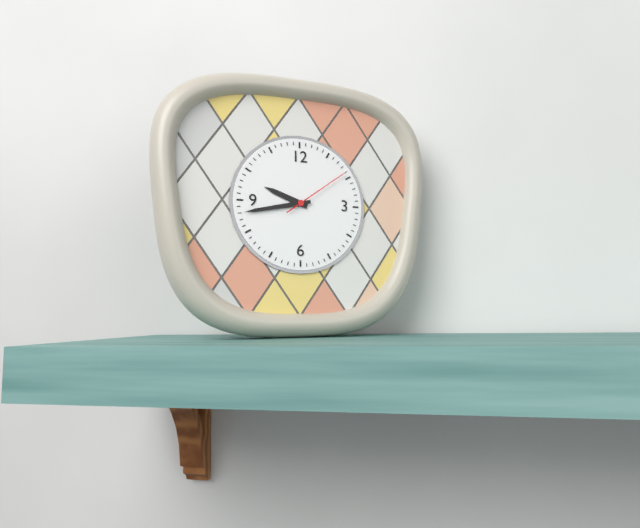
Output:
9,43,09
